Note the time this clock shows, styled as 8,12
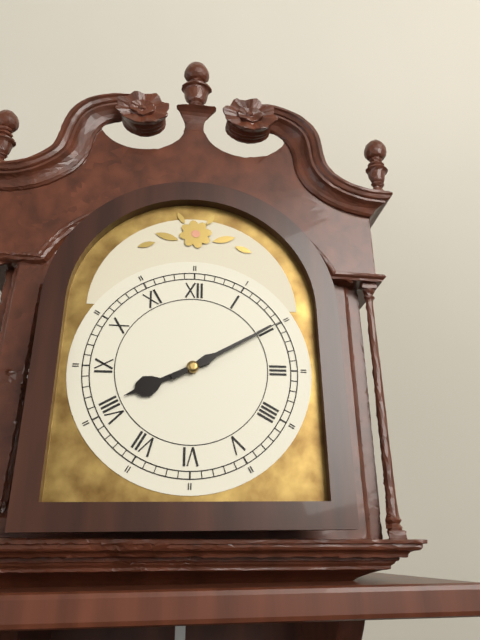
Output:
8,10
